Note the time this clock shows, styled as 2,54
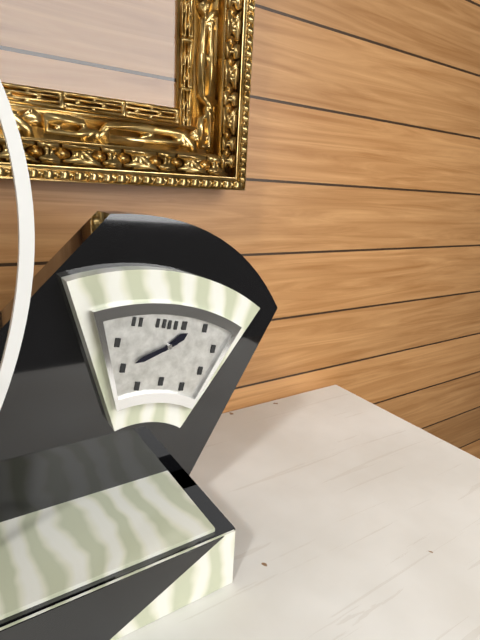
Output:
1,40
